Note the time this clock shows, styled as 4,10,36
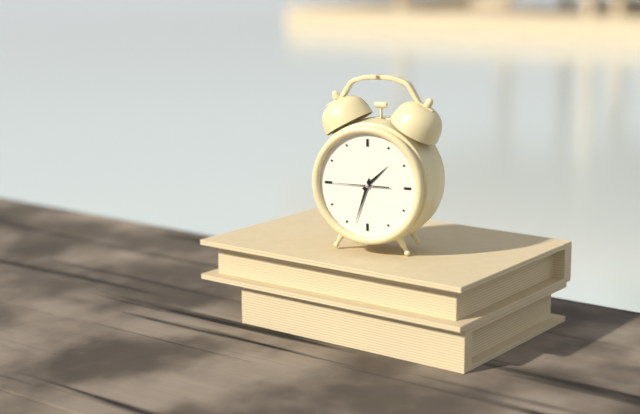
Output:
1,33,45
